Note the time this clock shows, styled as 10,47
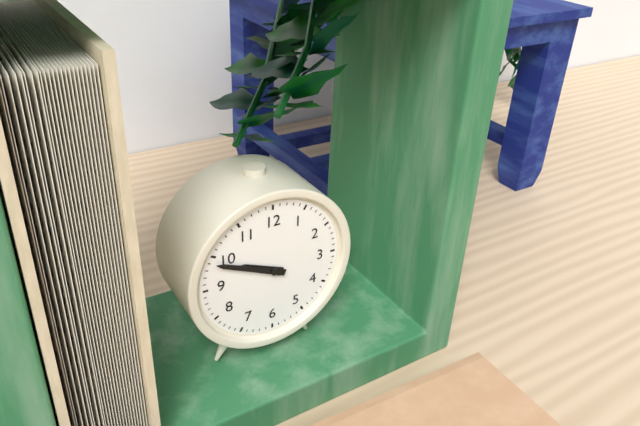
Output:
9,49
